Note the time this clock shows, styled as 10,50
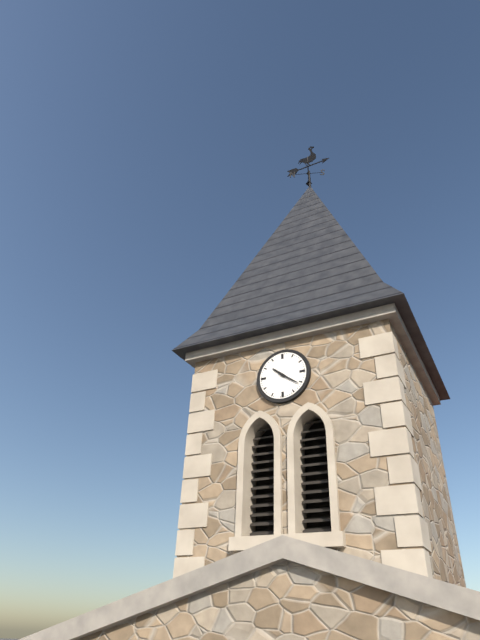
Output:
10,21
